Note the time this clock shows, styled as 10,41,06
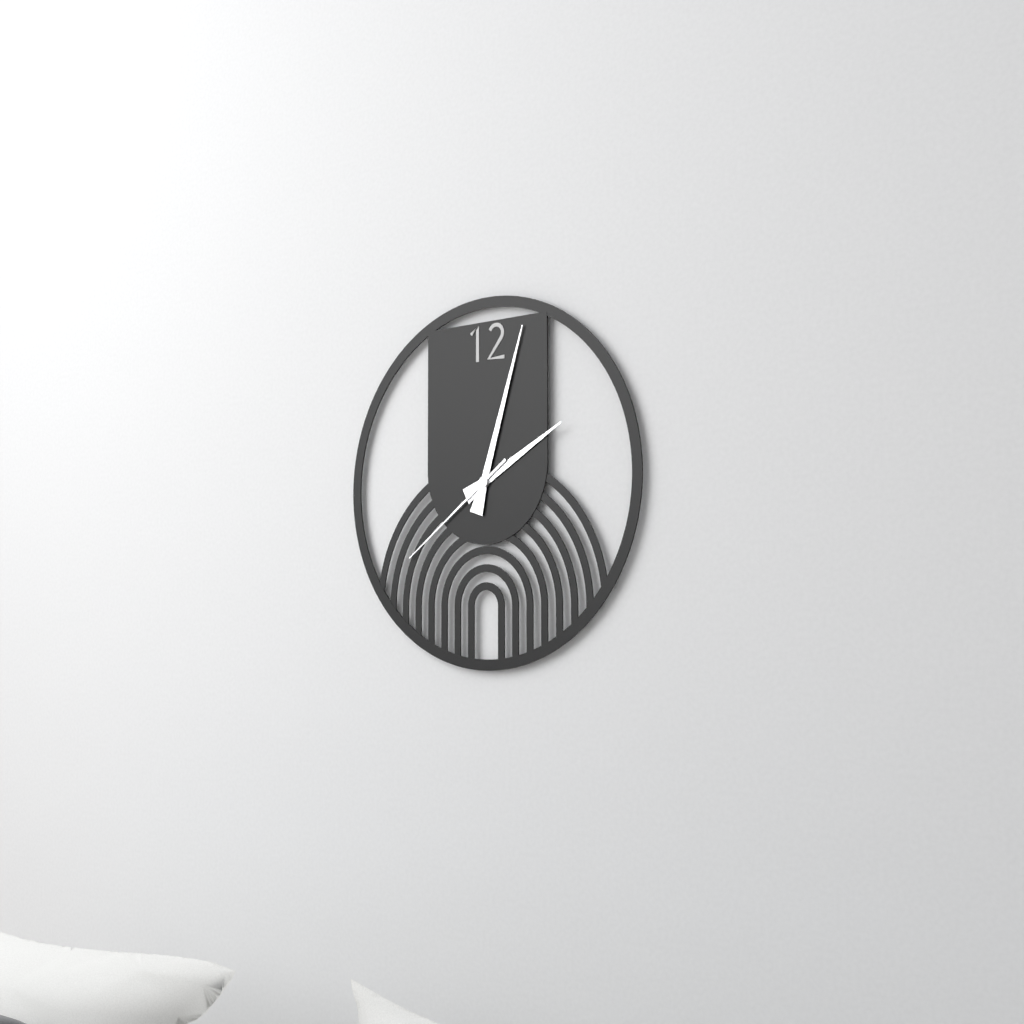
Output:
2,03,39
